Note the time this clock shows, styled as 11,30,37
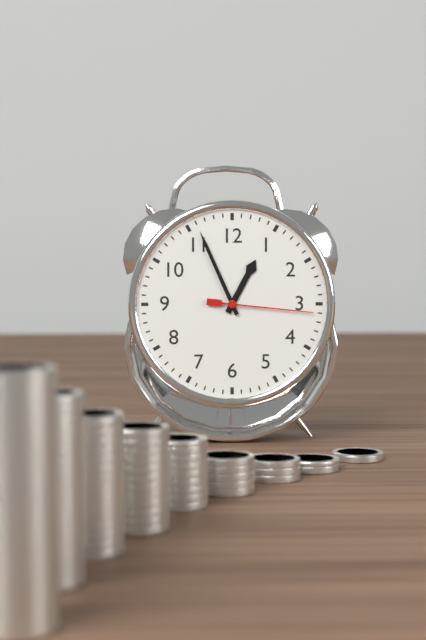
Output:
12,56,16
